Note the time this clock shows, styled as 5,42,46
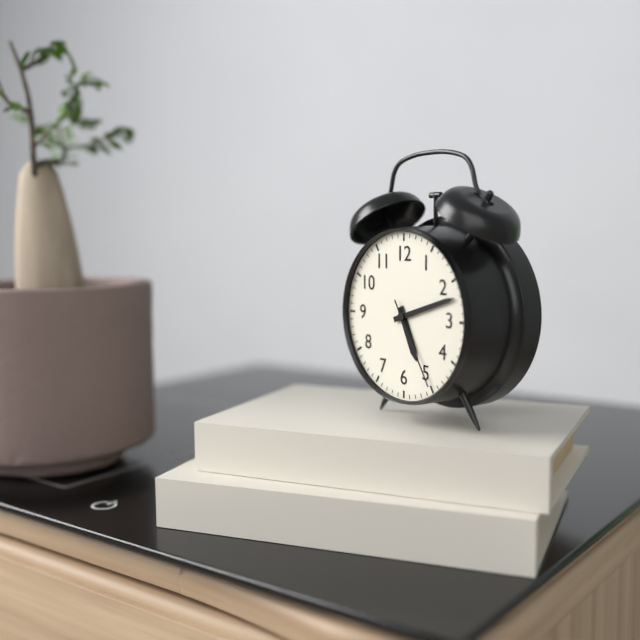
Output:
5,12,25
